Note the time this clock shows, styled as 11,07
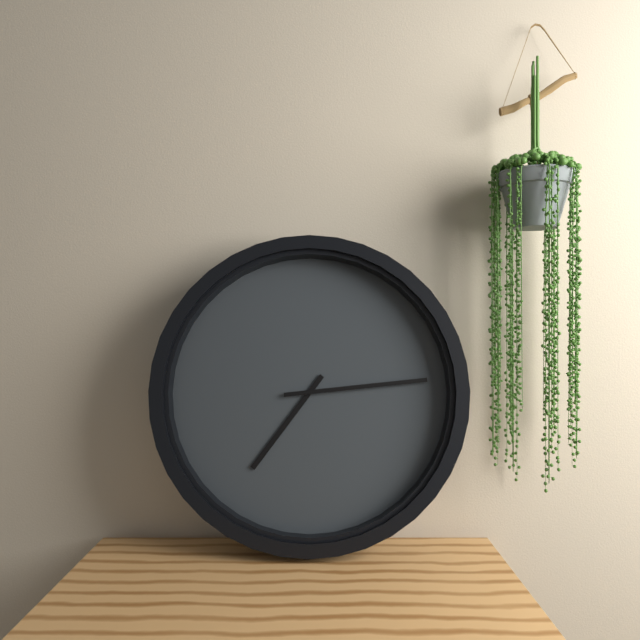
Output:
7,14
